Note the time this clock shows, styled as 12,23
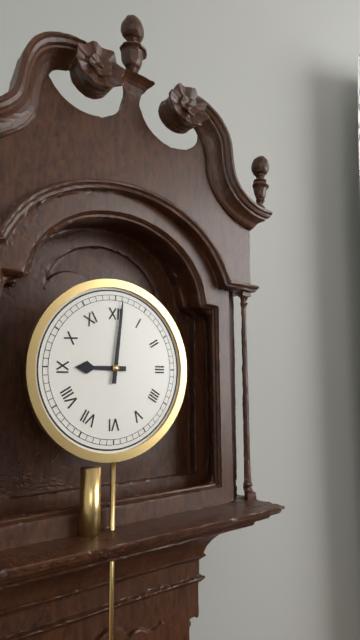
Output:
9,01
